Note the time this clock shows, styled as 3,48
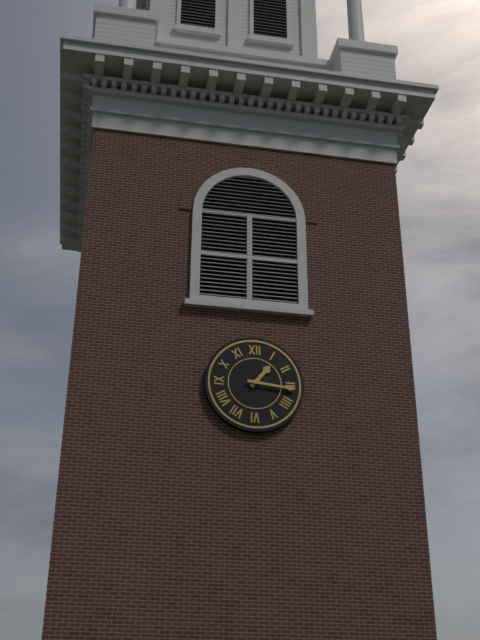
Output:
1,16
